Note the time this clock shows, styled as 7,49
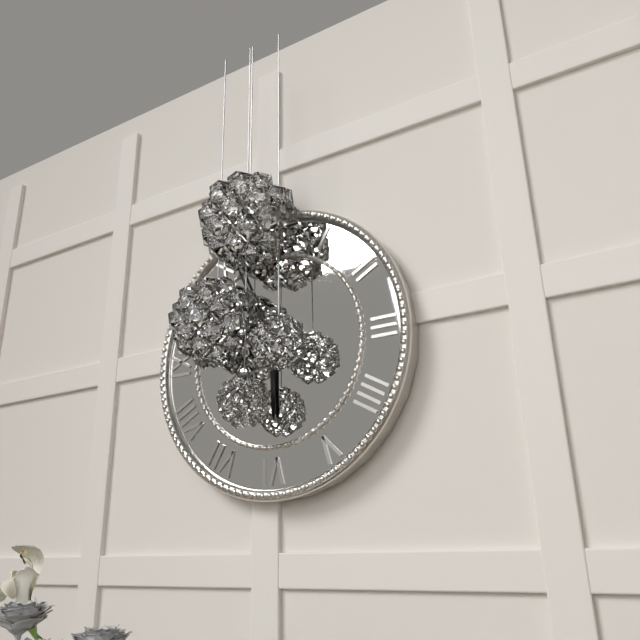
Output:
5,56
